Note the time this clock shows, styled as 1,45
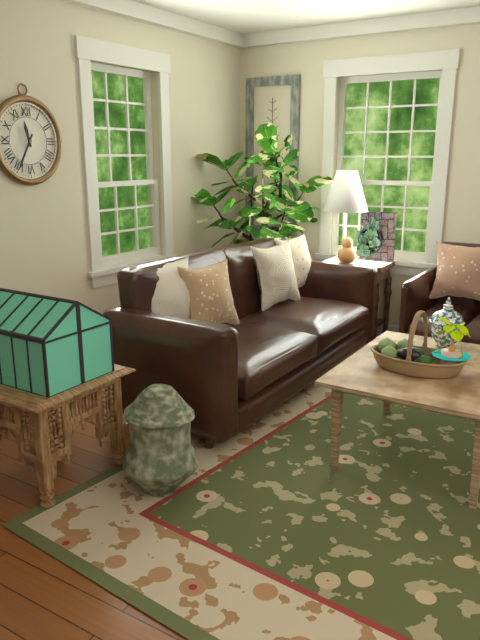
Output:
11,35
